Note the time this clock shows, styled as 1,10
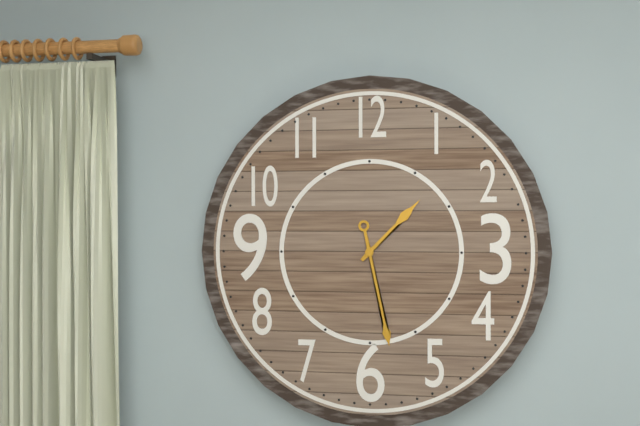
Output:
1,28
